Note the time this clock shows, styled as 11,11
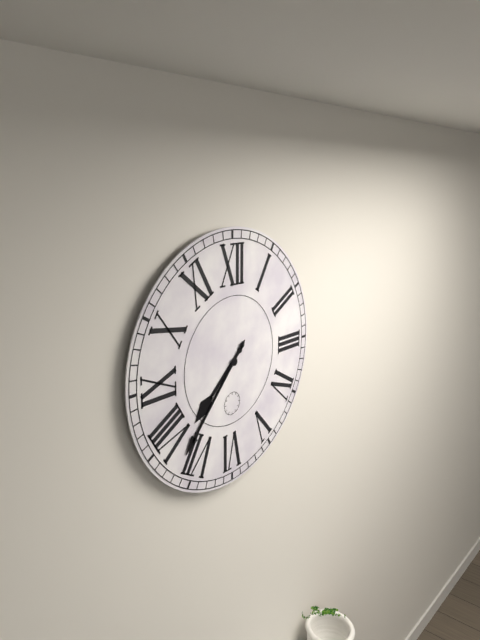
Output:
7,37
